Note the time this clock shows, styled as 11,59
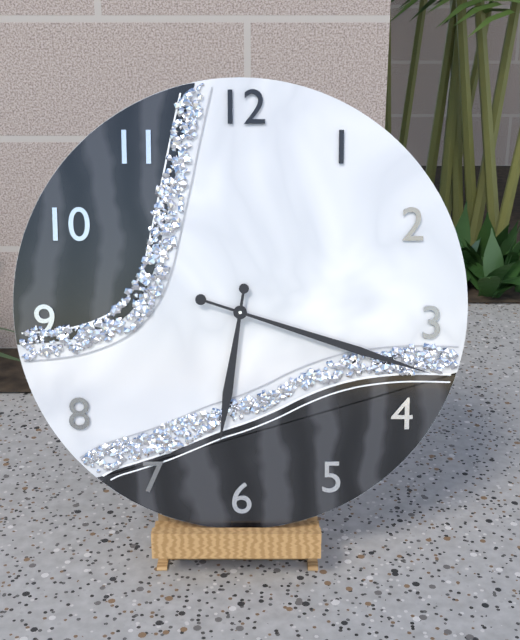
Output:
6,18
